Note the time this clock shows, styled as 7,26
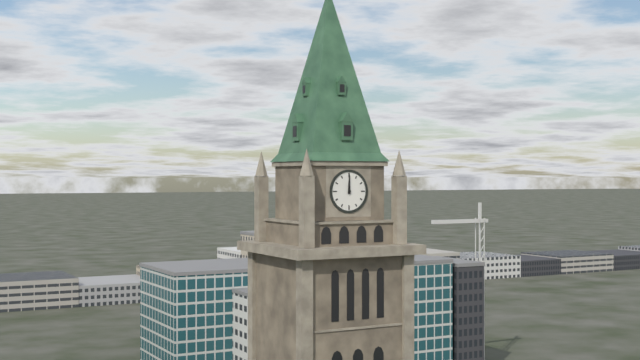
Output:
12,00
